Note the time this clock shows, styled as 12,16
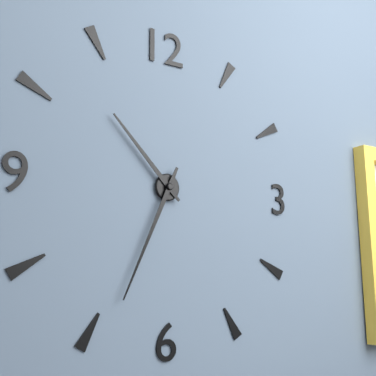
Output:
10,34
